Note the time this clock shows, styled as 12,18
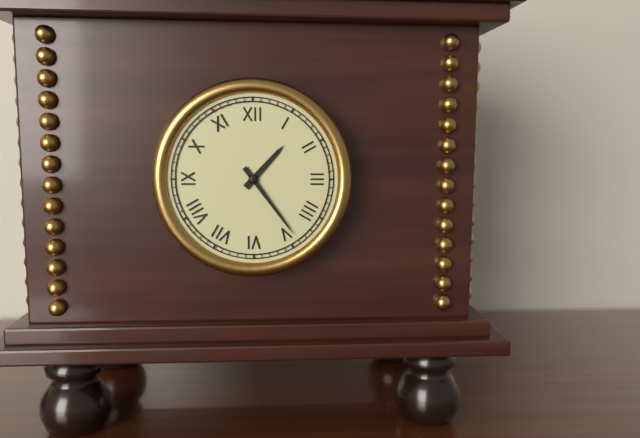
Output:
1,24
